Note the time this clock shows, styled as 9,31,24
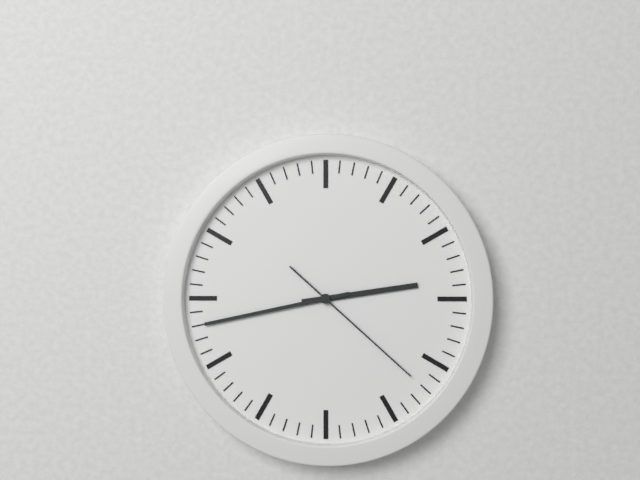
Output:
2,43,22
